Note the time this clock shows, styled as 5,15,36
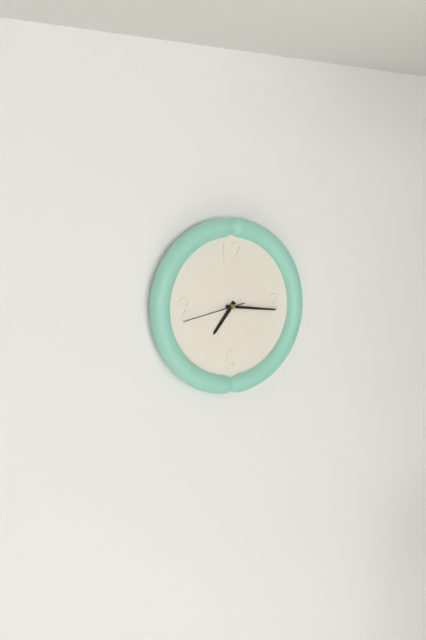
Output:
7,16,43
